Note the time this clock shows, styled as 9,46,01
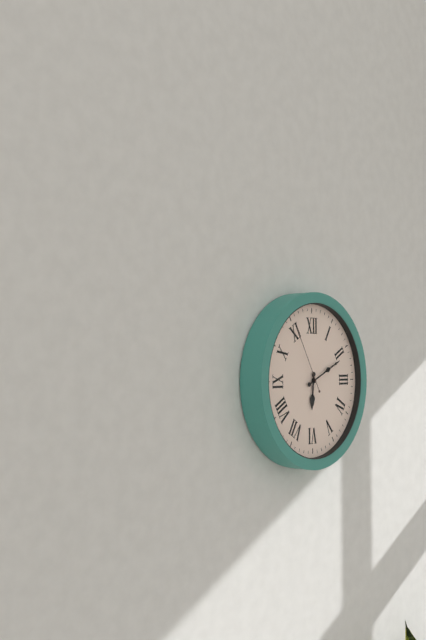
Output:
6,11,55
